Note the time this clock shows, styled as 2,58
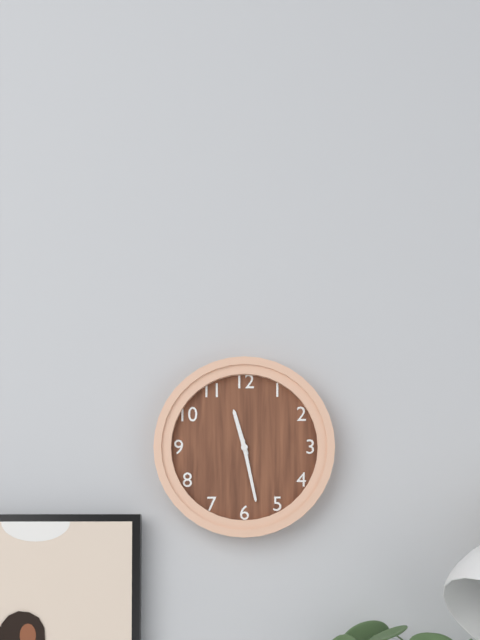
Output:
11,28
